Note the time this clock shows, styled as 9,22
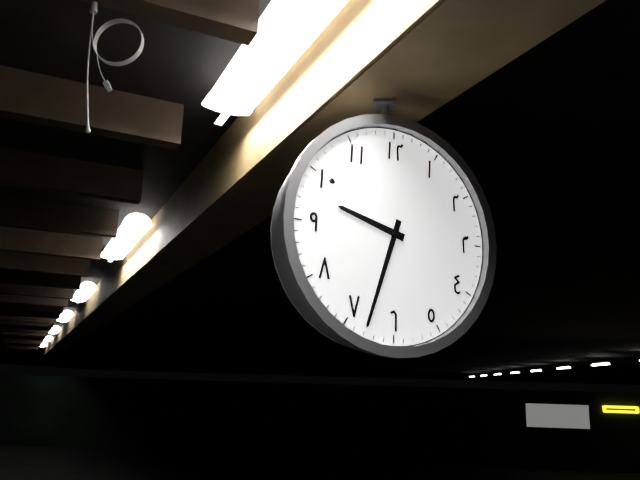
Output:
9,33
